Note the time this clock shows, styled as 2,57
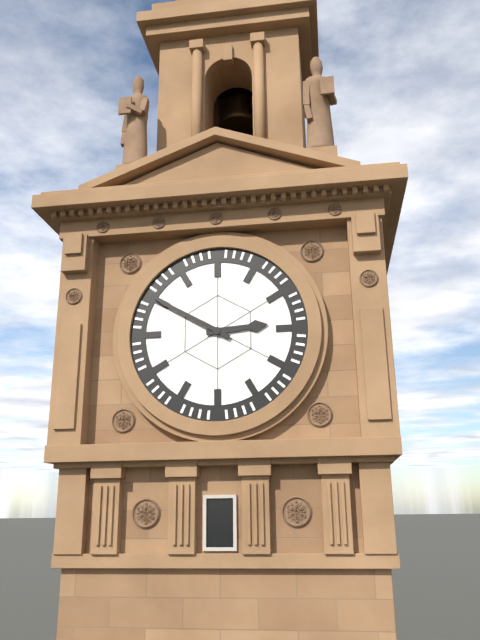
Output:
2,50
